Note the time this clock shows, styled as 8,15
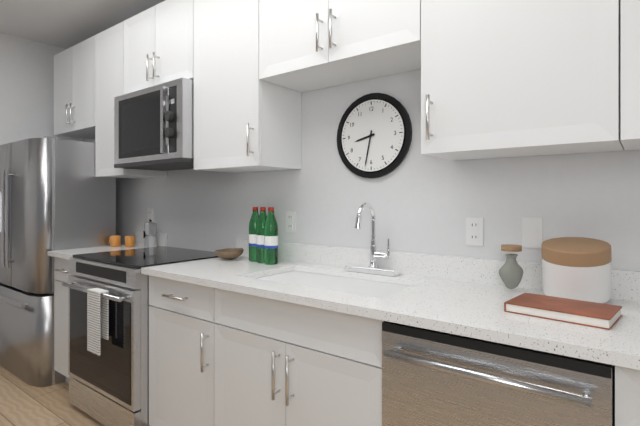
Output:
8,32
